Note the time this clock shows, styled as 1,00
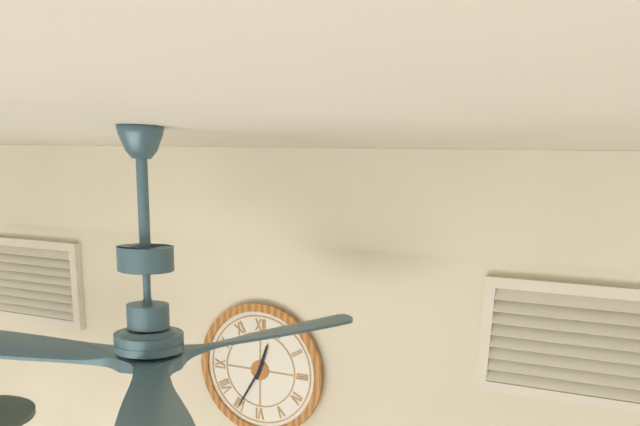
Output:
12,35
